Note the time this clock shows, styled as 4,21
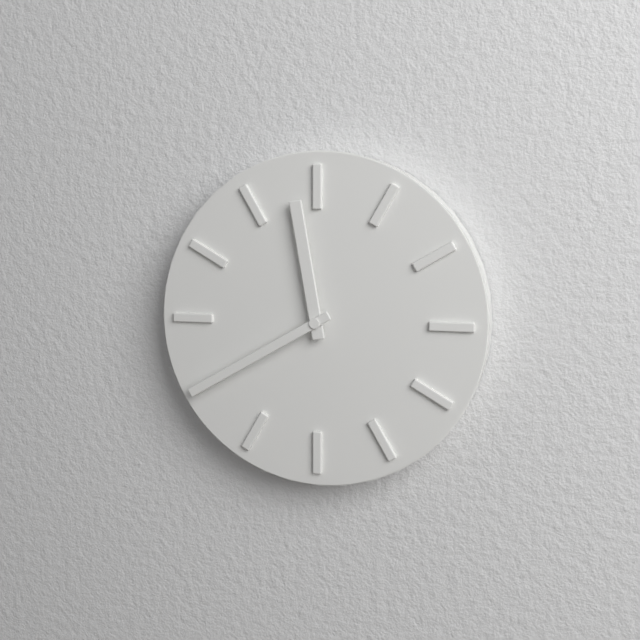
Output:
11,40
